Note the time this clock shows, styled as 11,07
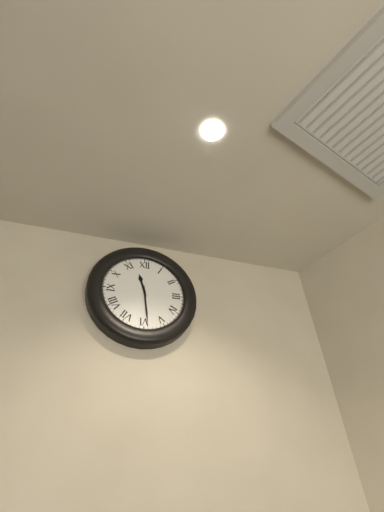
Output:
11,29
